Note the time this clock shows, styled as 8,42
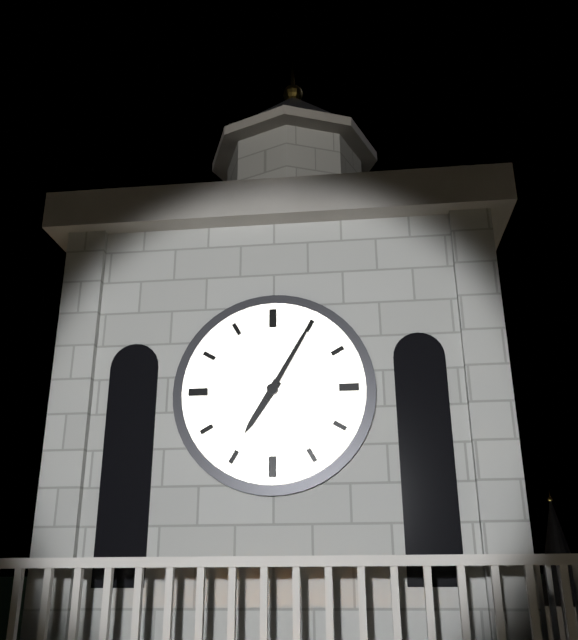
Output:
7,05
